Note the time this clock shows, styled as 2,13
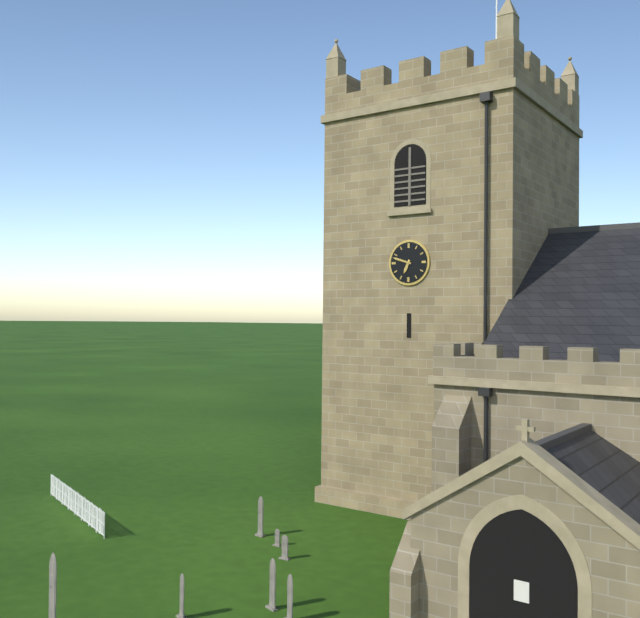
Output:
6,48
